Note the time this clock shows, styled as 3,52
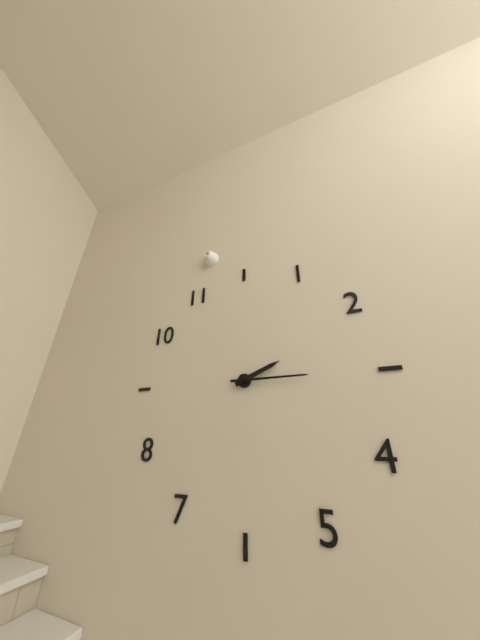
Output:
2,15
